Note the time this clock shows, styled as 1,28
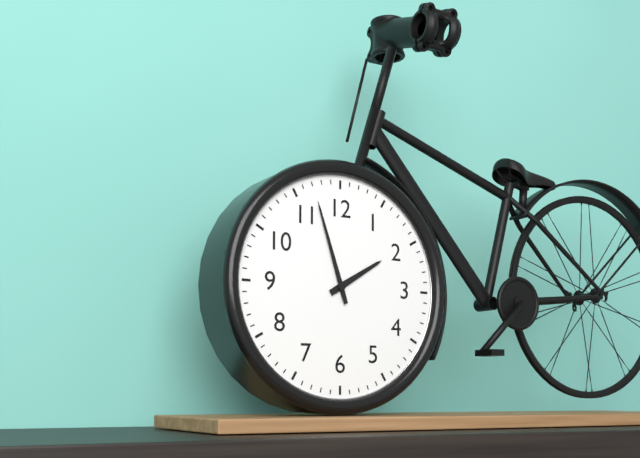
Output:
1,57
